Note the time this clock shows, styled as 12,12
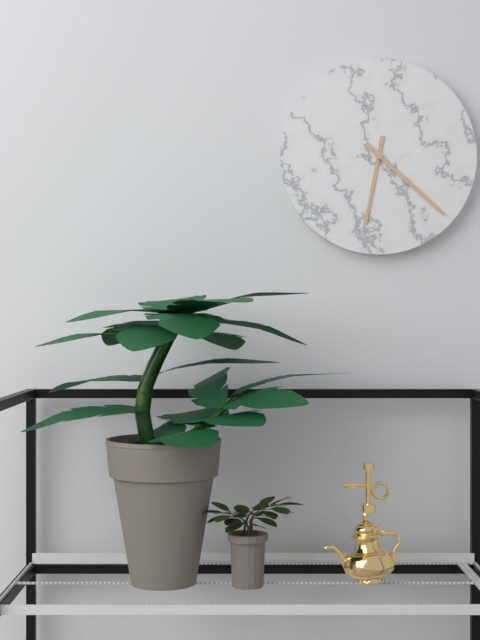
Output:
6,22
